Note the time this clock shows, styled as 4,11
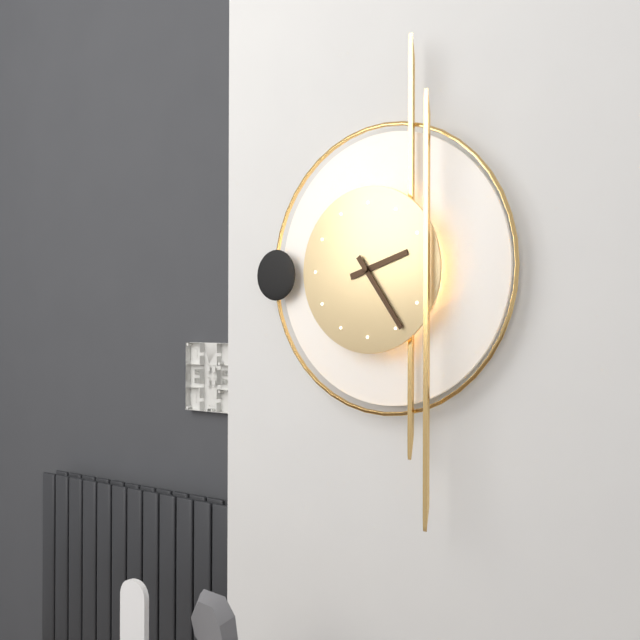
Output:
2,24
